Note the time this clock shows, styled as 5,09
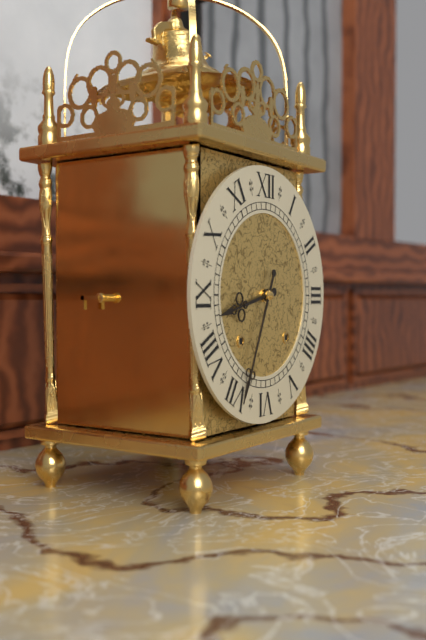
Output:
8,34
